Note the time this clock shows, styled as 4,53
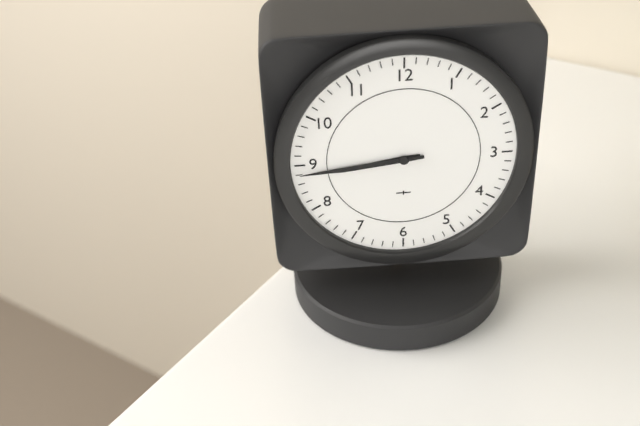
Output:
8,44
